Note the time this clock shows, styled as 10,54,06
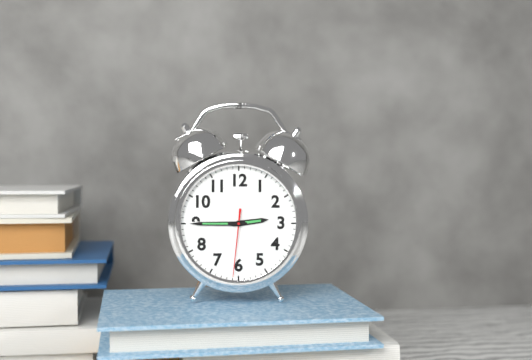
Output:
2,45,31
